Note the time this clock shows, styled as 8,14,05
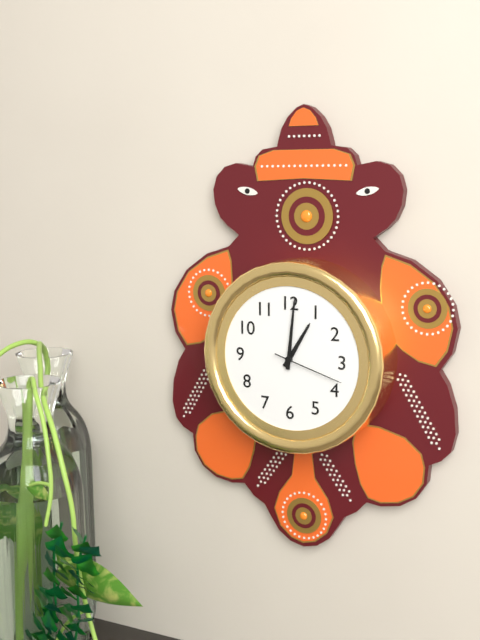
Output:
1,01,18
